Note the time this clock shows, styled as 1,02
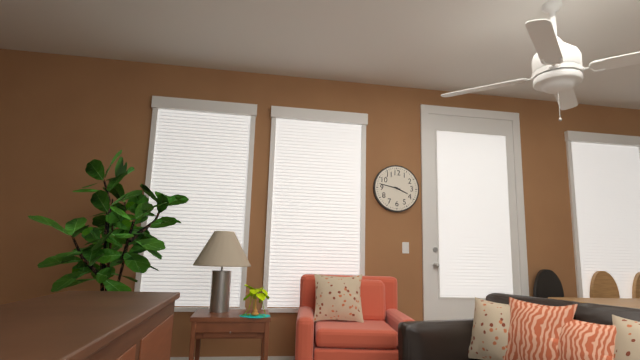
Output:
3,47
